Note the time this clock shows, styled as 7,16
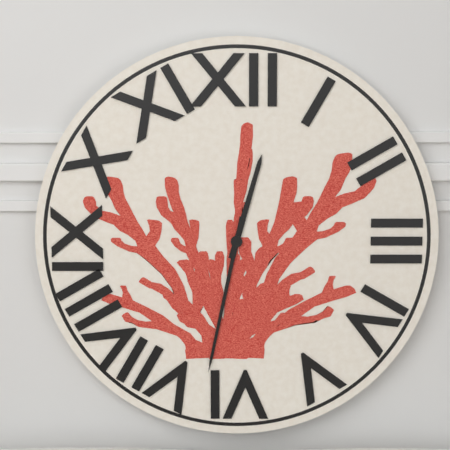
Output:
12,32
